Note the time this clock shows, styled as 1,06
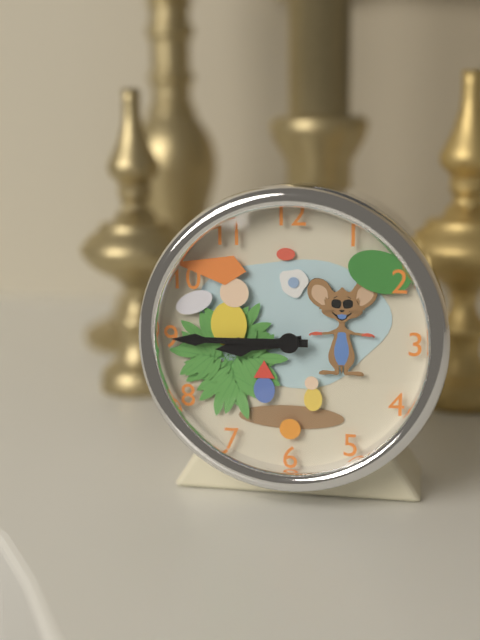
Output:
8,45
